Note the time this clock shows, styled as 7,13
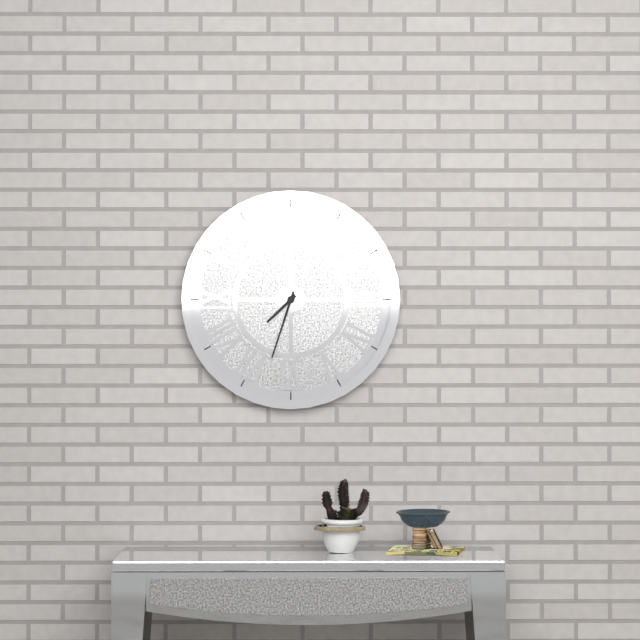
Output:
7,33
